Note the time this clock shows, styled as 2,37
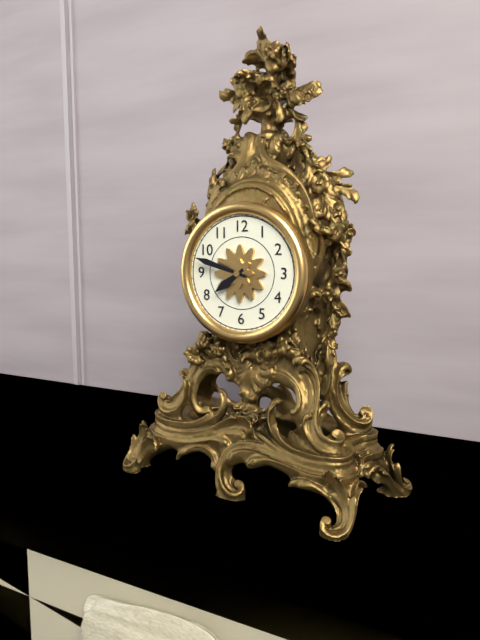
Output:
7,48
